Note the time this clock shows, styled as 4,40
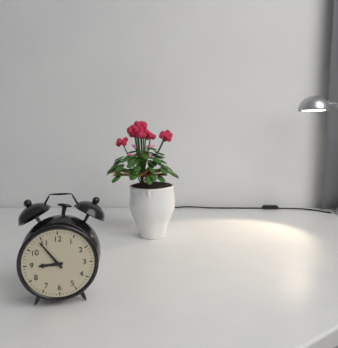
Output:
8,54
